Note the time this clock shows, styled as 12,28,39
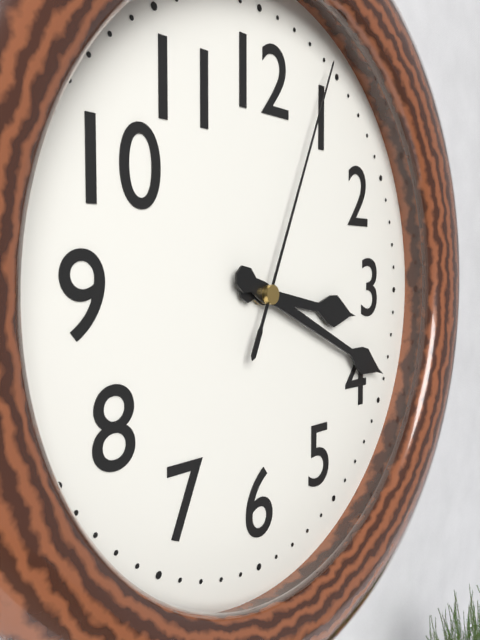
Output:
3,19,04
